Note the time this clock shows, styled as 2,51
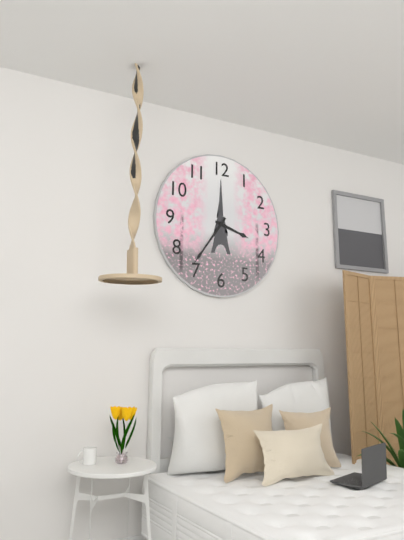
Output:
3,36
